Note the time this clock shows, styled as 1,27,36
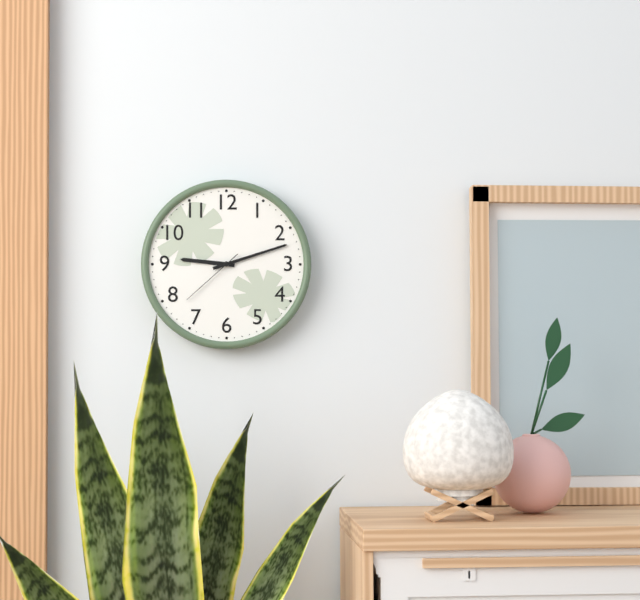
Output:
9,12,38
